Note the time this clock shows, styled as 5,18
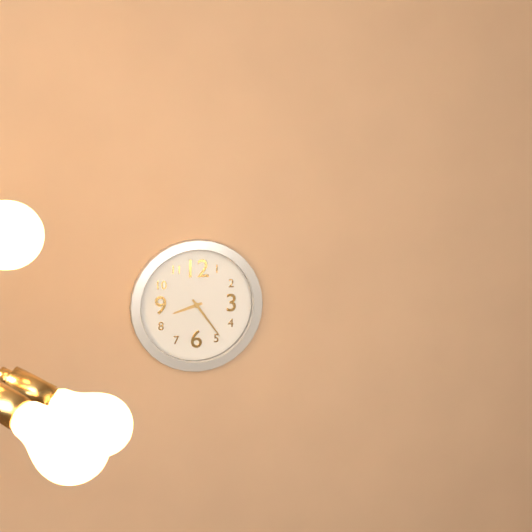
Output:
8,24
